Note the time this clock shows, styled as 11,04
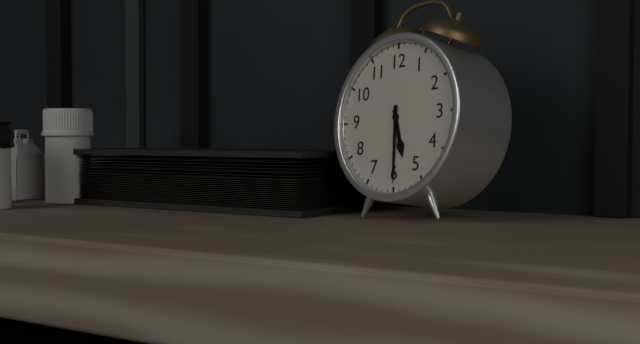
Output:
5,30
